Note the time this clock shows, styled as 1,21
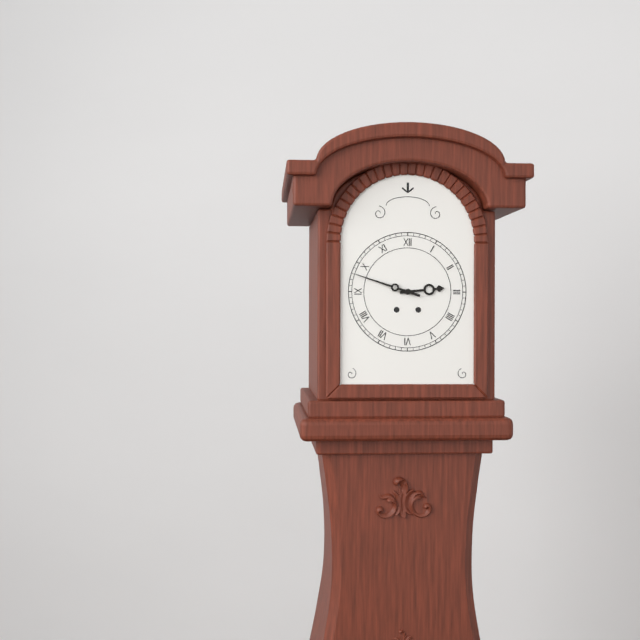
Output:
2,48
